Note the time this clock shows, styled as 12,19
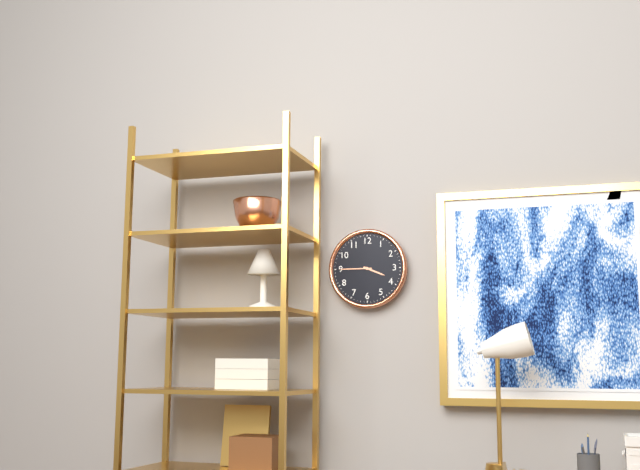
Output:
3,45
